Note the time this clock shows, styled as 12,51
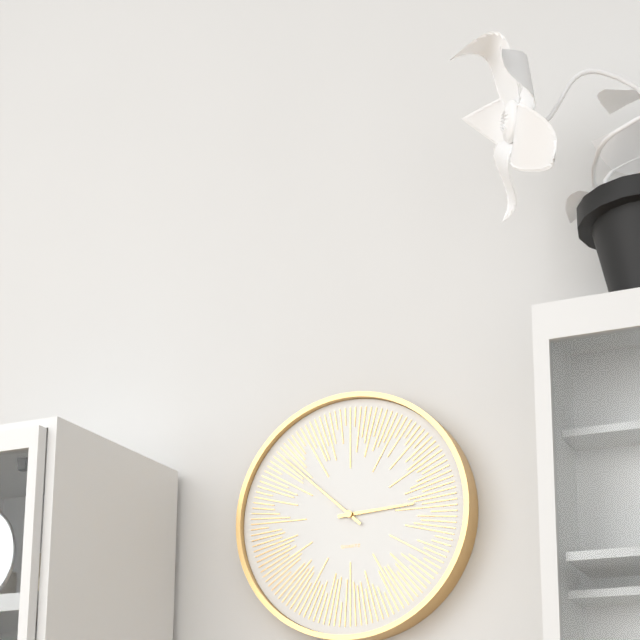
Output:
2,52
